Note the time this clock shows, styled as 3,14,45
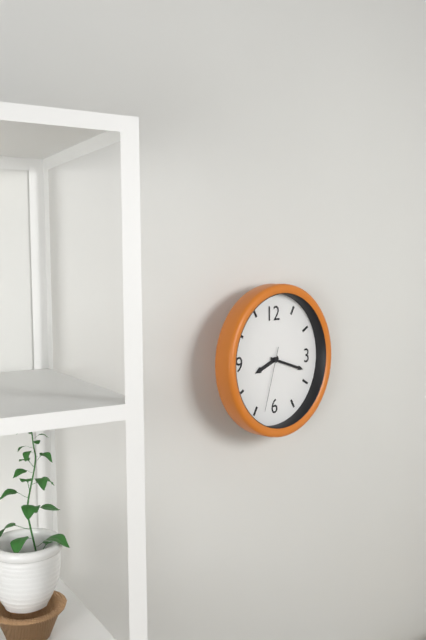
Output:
8,18,33
